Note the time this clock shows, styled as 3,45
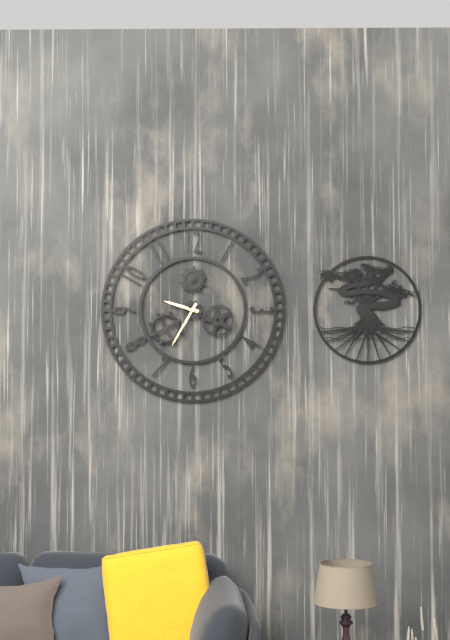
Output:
9,35
